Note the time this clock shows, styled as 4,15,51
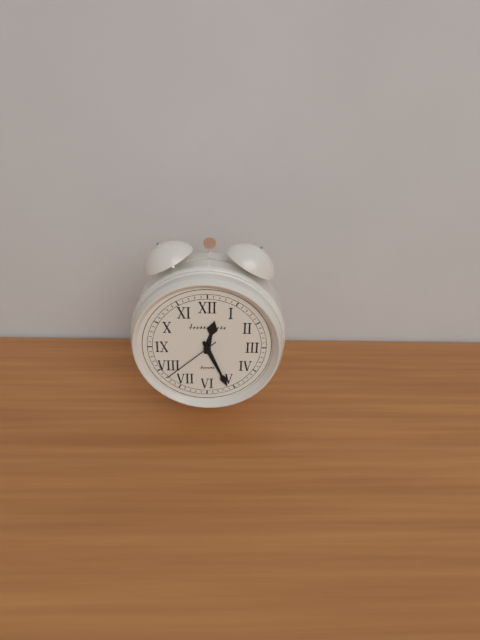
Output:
12,26,38
